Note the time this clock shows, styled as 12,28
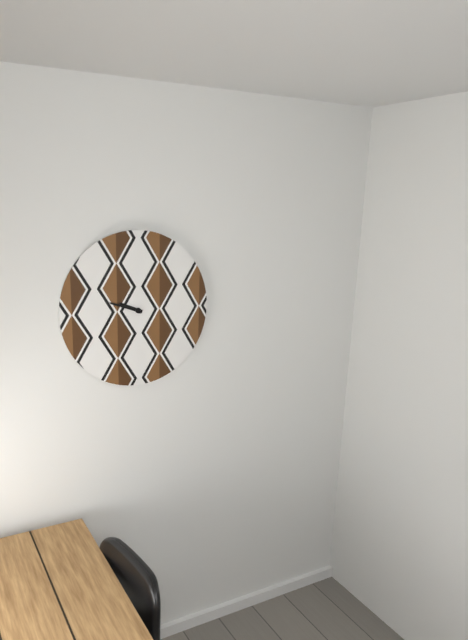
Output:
9,48
